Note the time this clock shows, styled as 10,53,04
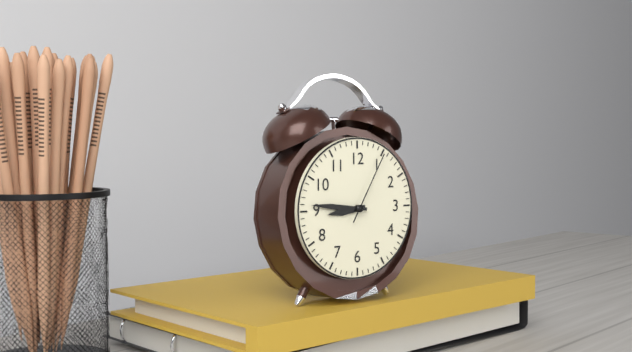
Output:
8,46,05
